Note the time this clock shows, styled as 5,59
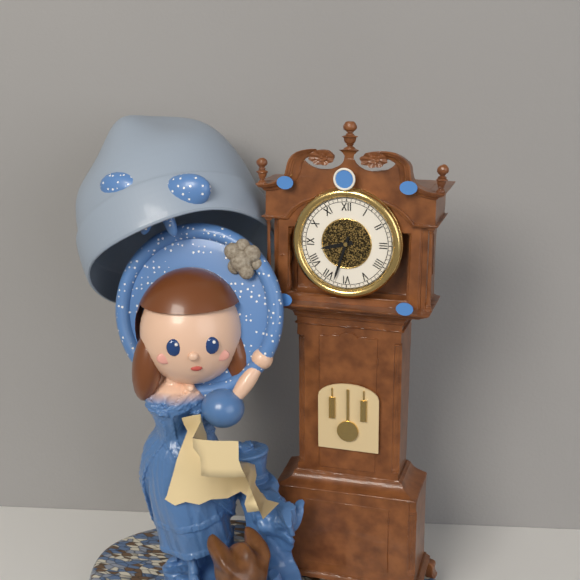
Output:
8,33
